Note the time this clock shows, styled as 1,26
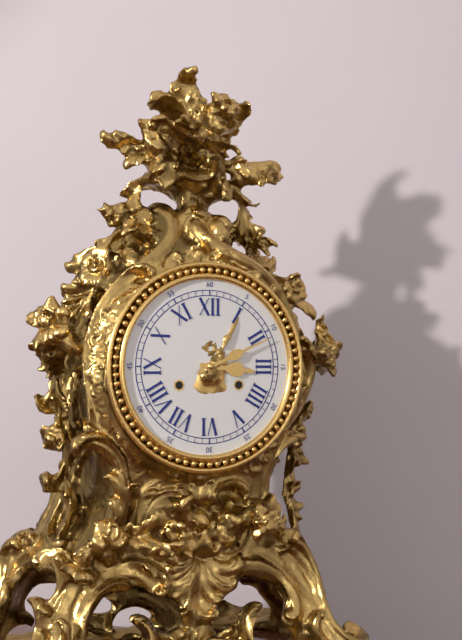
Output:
3,11
